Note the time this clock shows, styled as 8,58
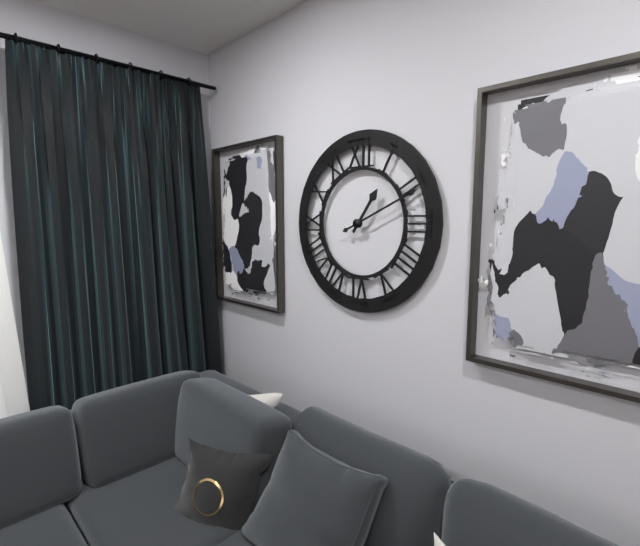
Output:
1,11
